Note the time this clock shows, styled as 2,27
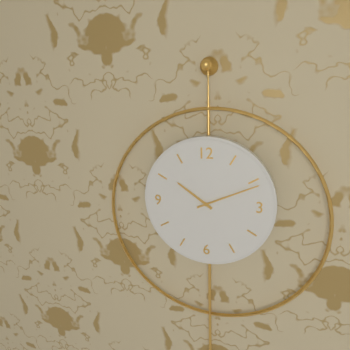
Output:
10,11
